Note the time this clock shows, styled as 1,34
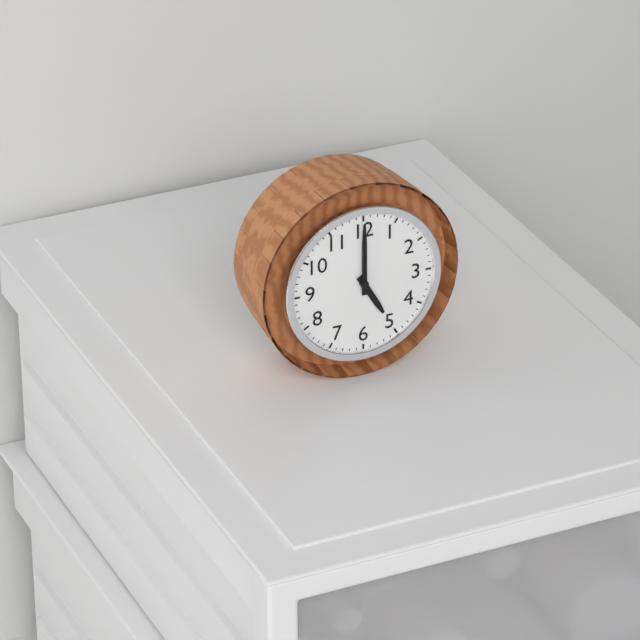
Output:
5,00
